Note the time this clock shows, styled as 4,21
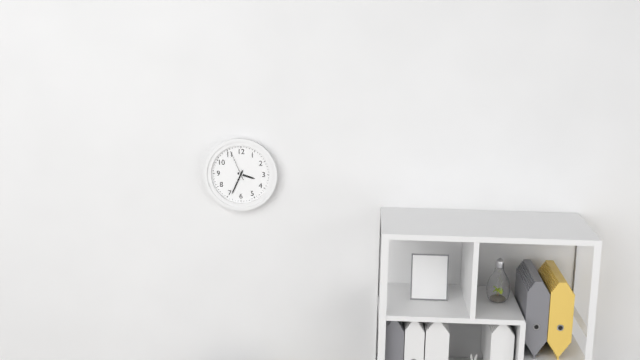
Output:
3,34
